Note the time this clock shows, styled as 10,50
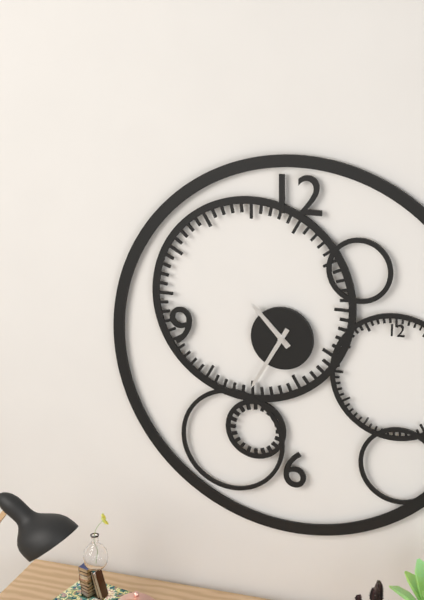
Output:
10,35
